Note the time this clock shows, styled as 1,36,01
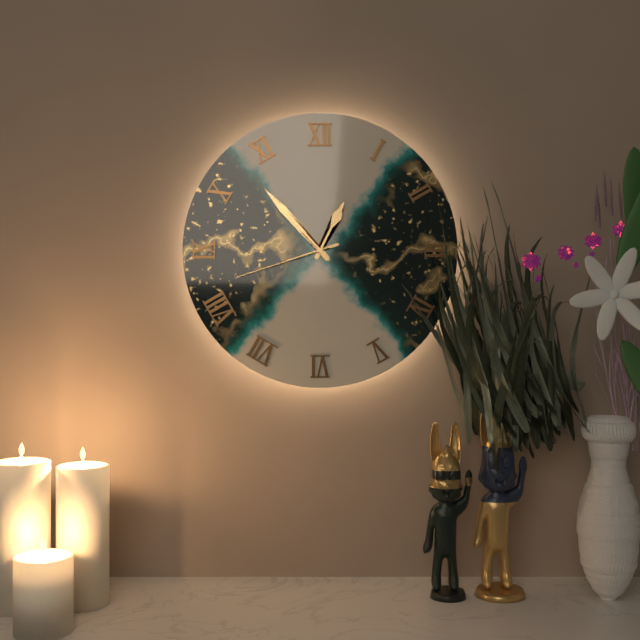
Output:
12,53,42
